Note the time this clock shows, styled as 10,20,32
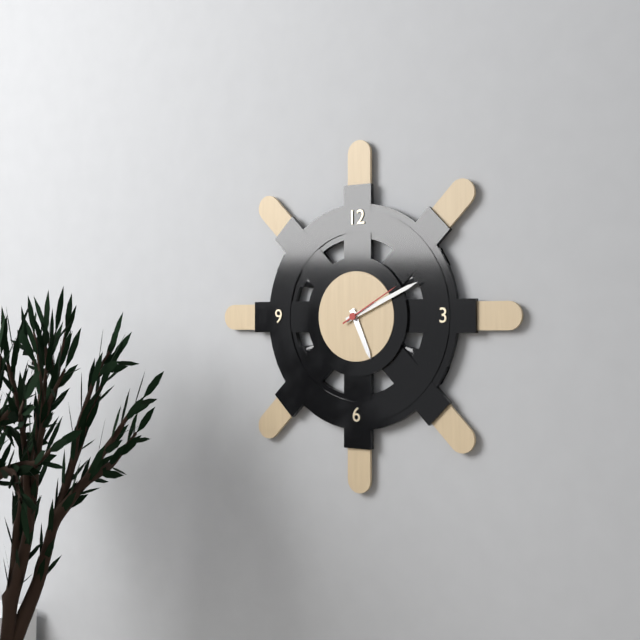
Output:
5,11,10
